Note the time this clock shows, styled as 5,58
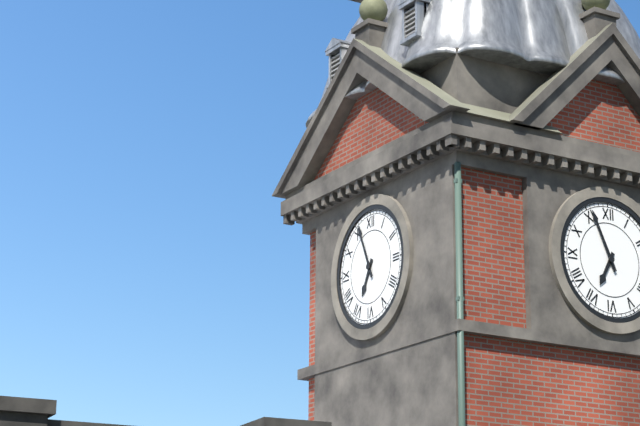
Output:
6,56
